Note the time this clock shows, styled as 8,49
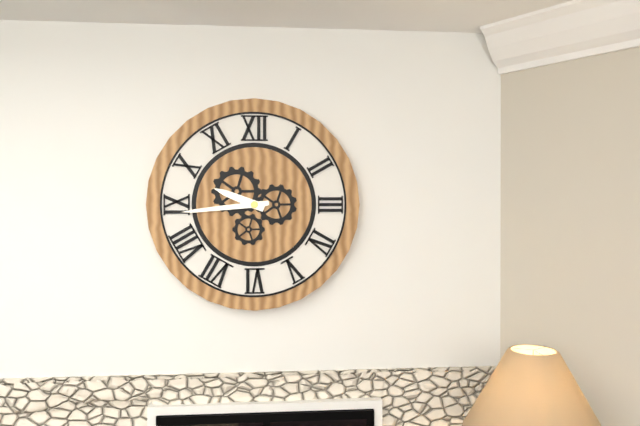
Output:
9,44
